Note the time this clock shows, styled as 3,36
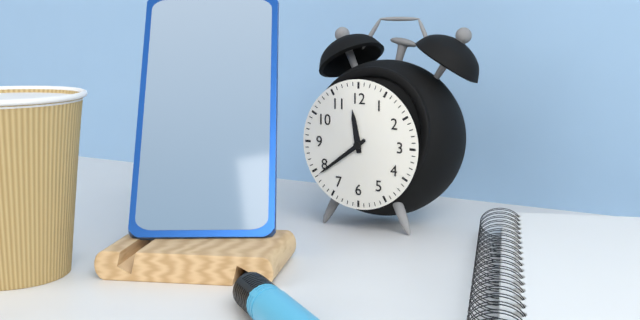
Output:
11,39
